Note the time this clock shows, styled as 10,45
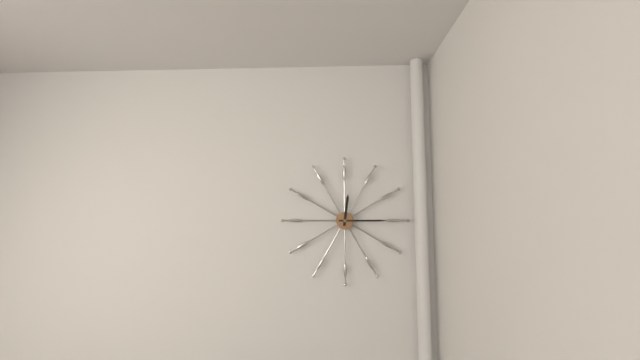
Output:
12,15
